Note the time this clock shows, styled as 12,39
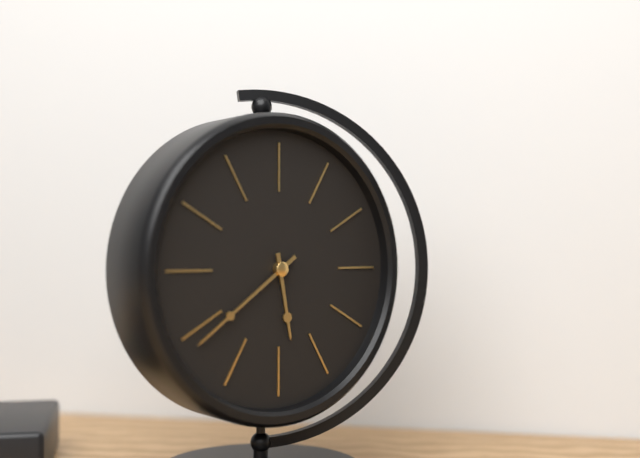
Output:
5,39
